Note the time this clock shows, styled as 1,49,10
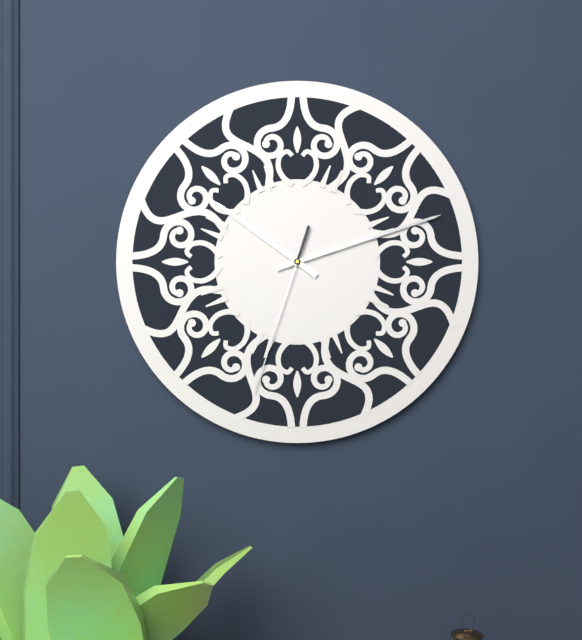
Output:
10,12,33
